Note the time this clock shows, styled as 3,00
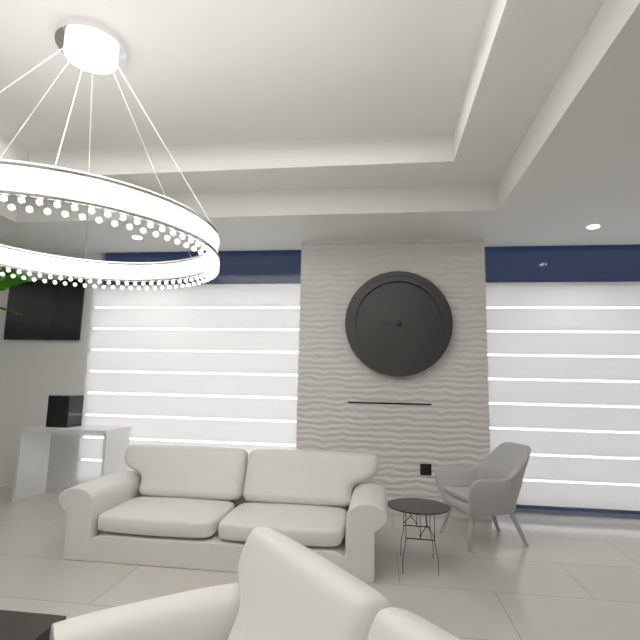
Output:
9,33
